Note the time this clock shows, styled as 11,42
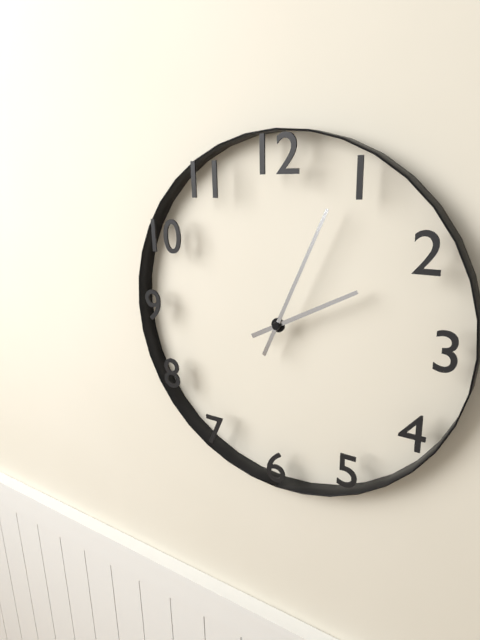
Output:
2,04
